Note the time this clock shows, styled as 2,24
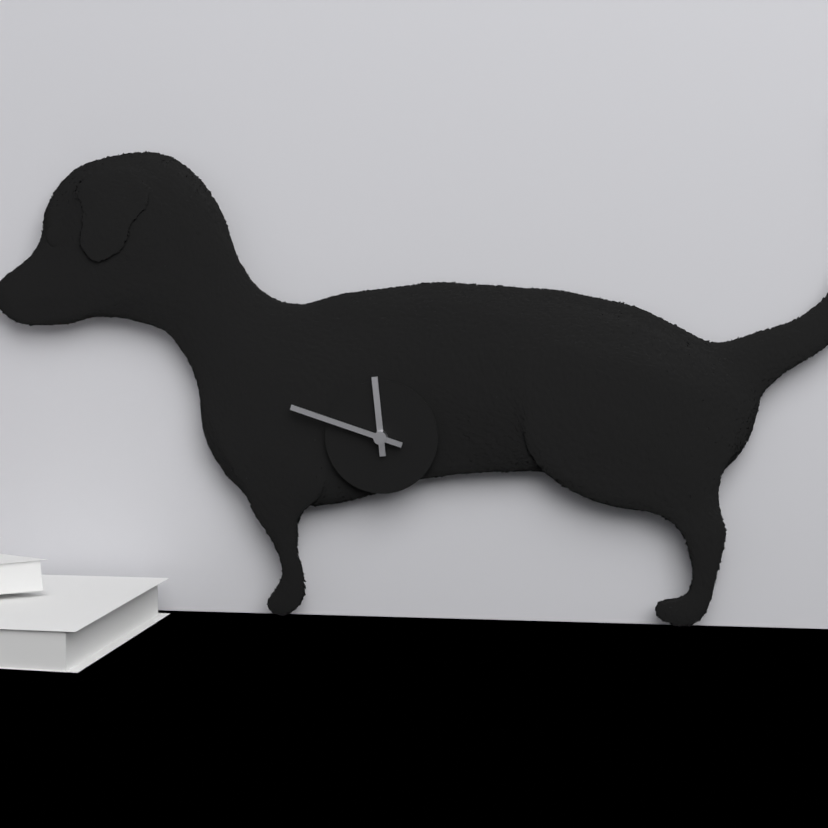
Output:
11,48
